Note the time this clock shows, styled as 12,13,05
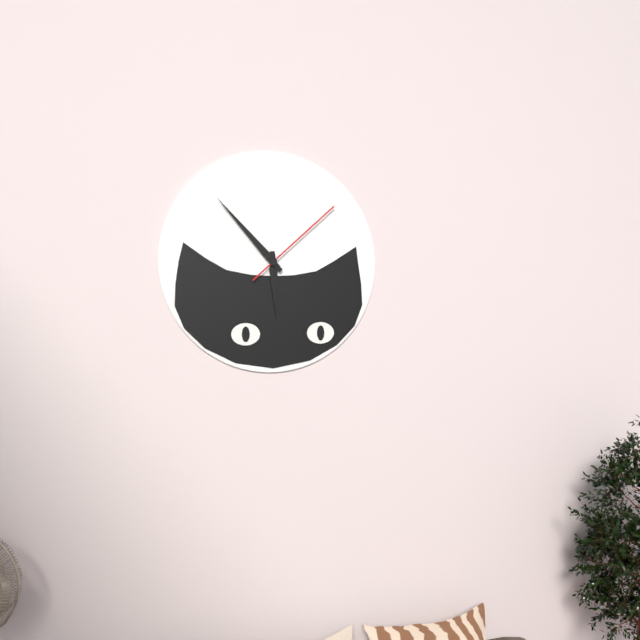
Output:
5,53,08
